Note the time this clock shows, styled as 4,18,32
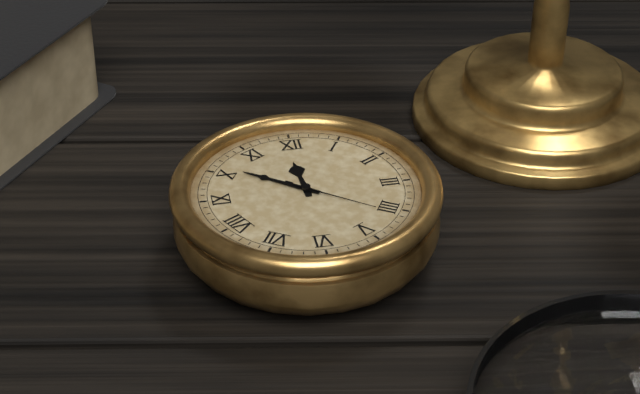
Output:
11,51,21
